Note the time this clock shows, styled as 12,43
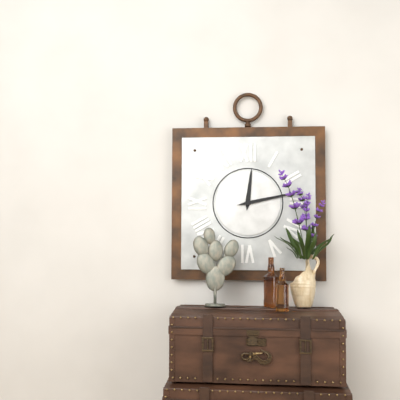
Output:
12,13
